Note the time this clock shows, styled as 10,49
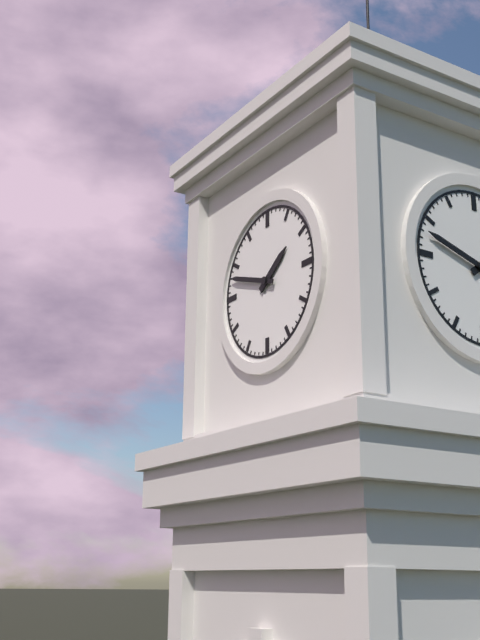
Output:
1,48
